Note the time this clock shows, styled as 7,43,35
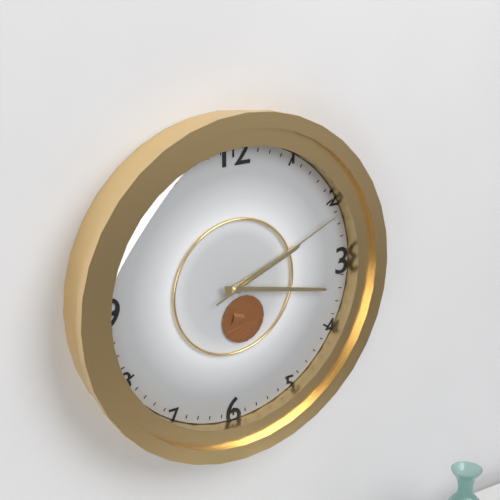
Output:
2,17,11
